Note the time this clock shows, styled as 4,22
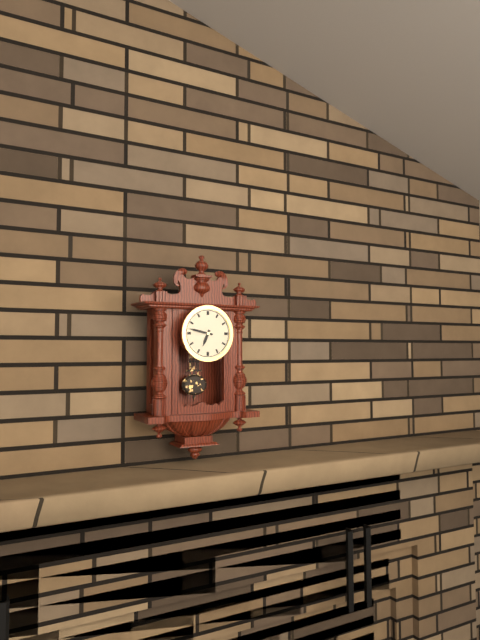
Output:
6,47
